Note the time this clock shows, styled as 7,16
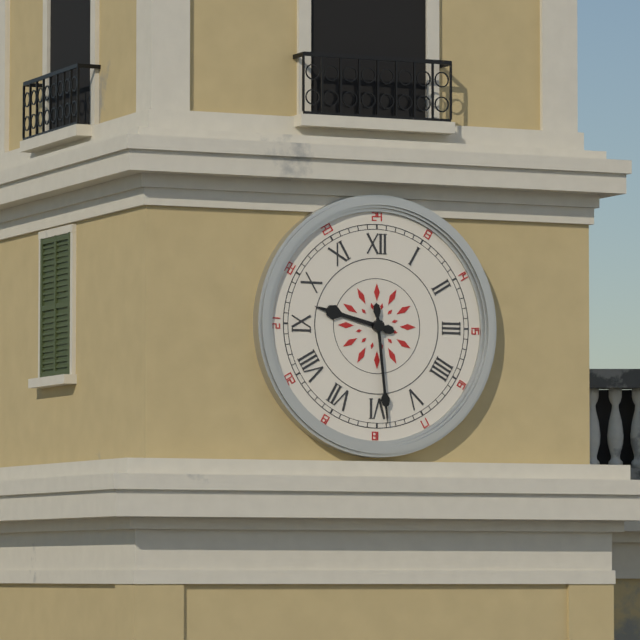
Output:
9,29
